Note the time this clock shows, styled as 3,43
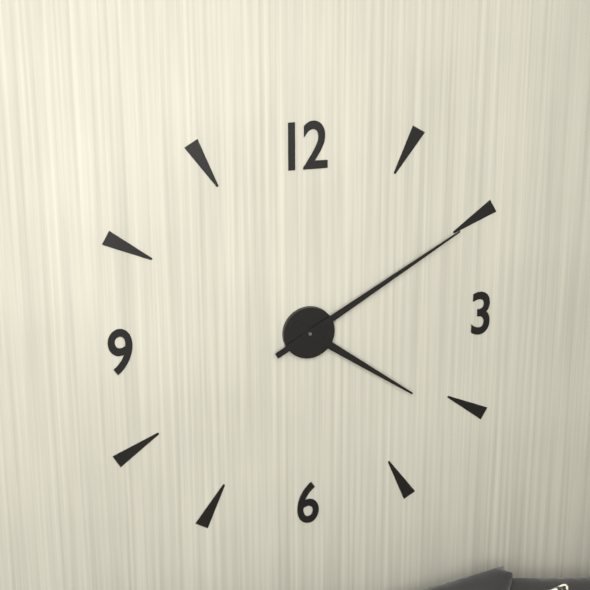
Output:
4,10
